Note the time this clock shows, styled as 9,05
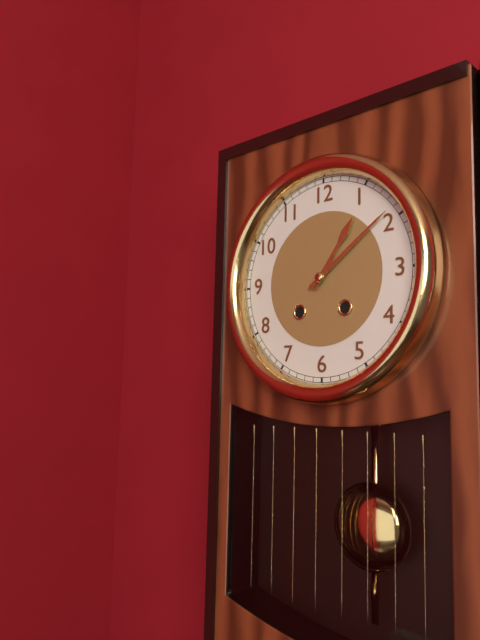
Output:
1,09
